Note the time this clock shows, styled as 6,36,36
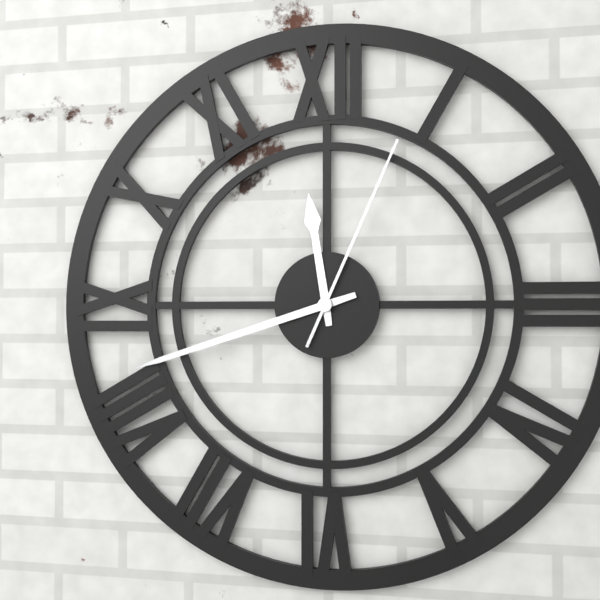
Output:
11,42,04
